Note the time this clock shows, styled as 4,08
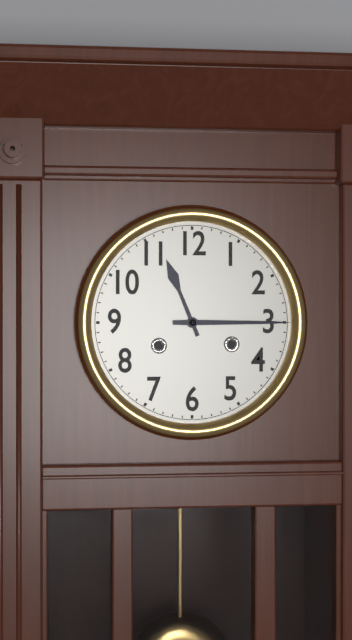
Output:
11,15
